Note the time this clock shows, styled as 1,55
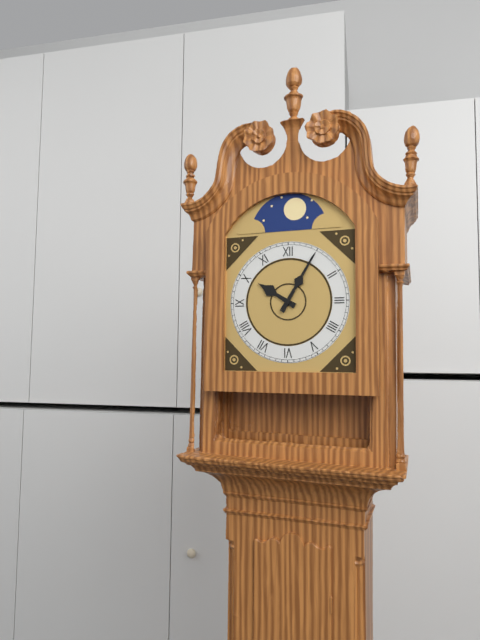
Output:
10,05
